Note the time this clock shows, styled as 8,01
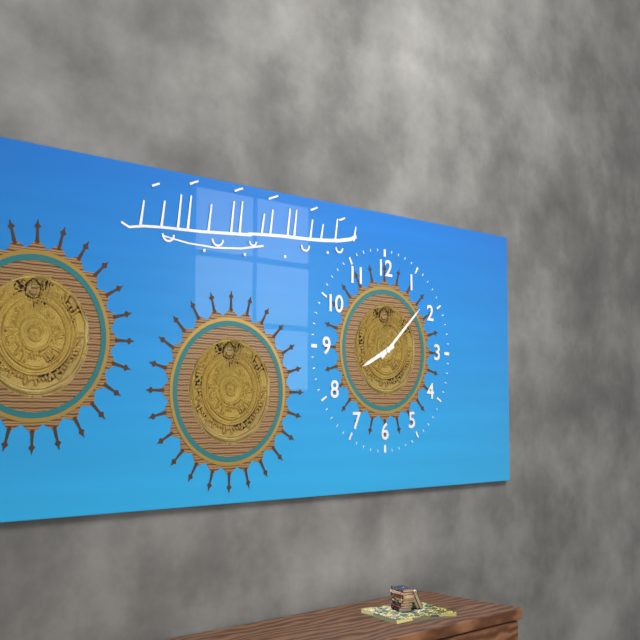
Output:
8,08
